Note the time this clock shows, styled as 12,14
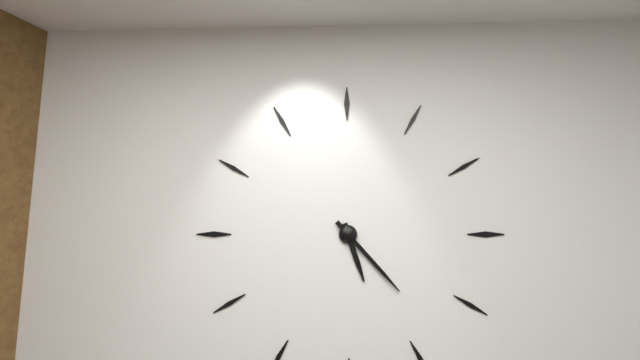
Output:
5,23
